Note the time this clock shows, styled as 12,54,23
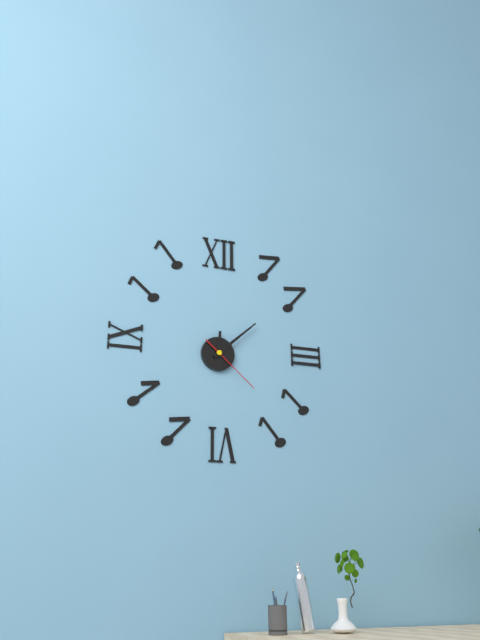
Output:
12,08,22
